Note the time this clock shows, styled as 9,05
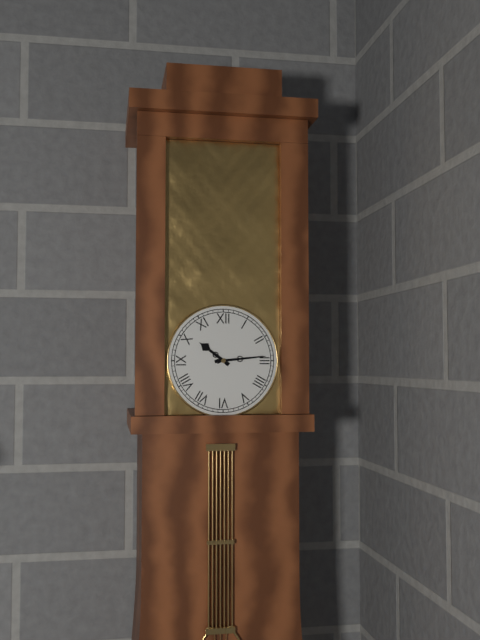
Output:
10,14
